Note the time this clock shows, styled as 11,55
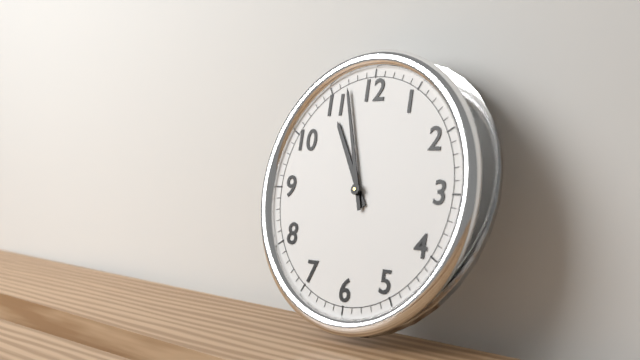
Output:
10,57
